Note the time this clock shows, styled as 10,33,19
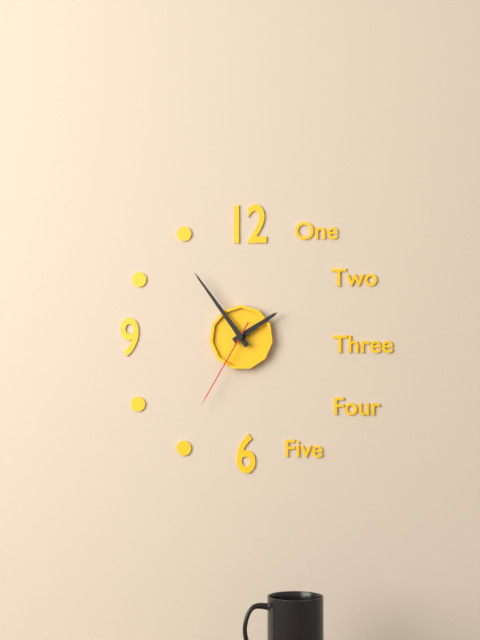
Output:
1,54,35
